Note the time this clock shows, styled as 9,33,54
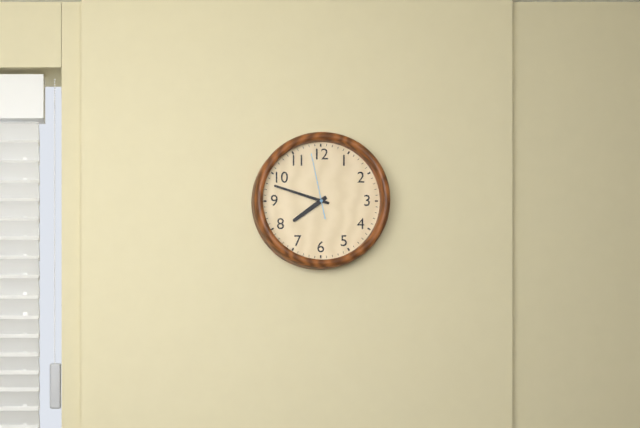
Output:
7,48,58
